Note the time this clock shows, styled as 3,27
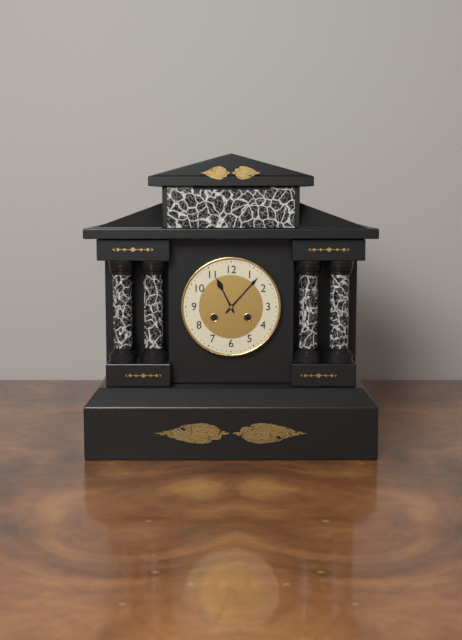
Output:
11,07
